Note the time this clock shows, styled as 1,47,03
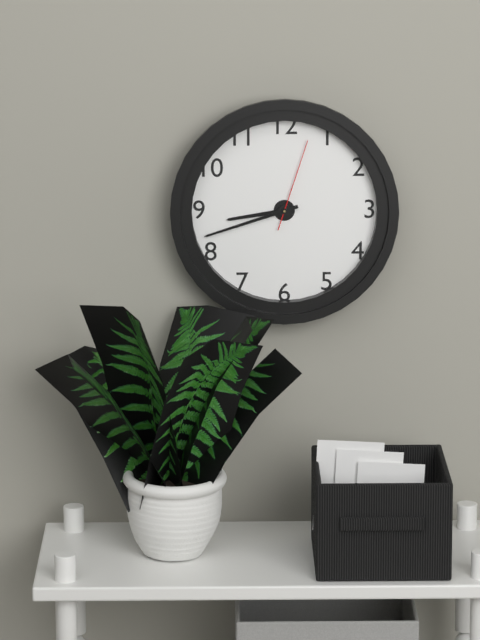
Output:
8,42,03
